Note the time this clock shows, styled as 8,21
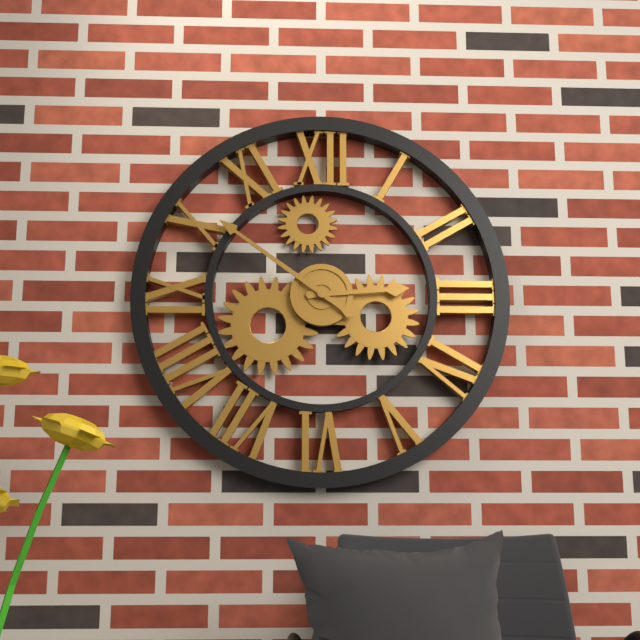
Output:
2,51
